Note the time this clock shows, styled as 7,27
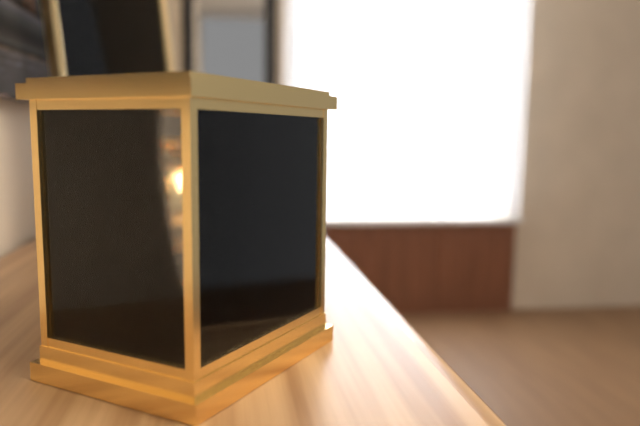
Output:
9,01
